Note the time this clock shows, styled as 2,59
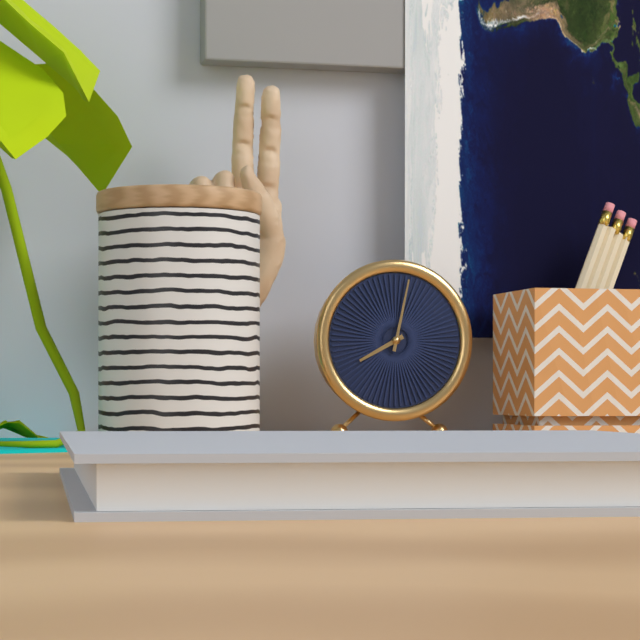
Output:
8,02
